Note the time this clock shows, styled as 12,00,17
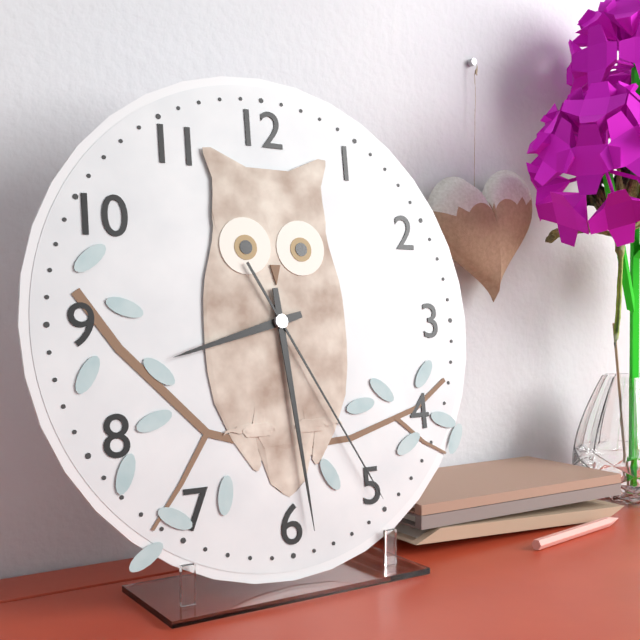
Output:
8,29,25
